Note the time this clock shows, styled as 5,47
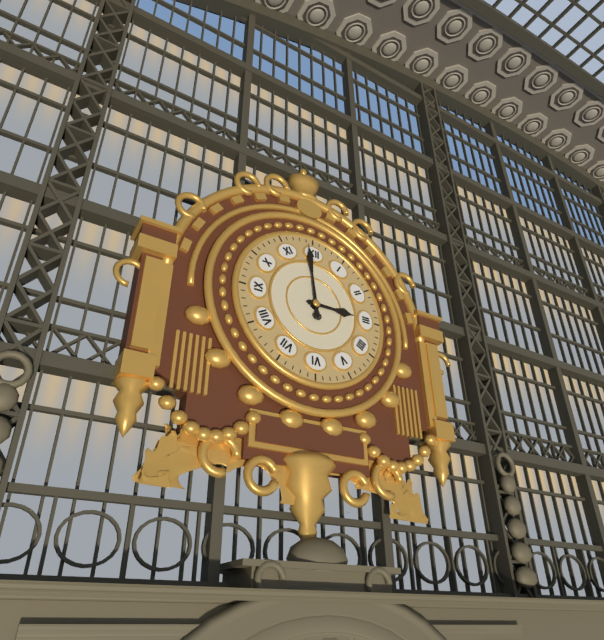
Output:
2,59
